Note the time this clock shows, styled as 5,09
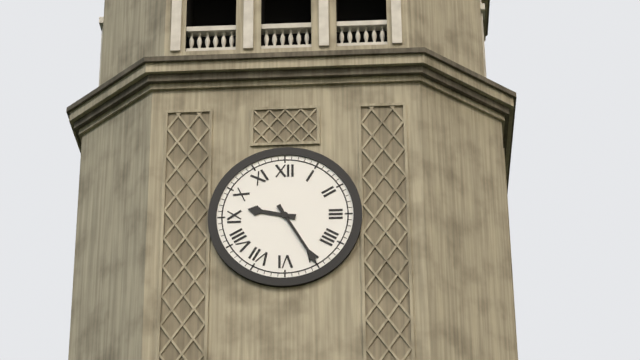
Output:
9,25
